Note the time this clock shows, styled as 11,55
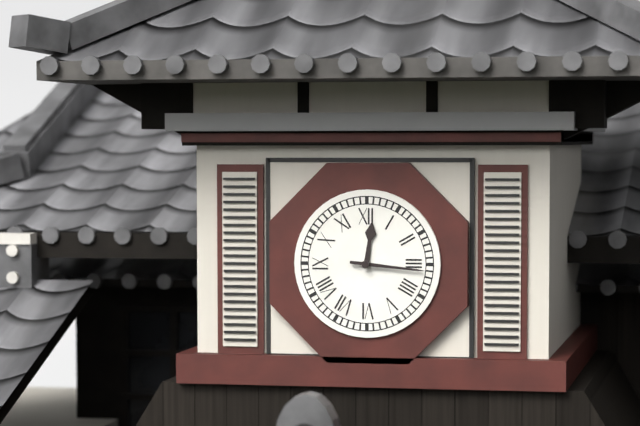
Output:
12,16
